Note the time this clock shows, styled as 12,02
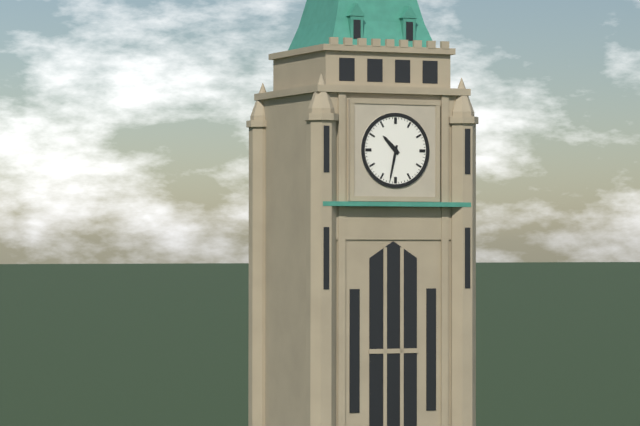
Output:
10,32
